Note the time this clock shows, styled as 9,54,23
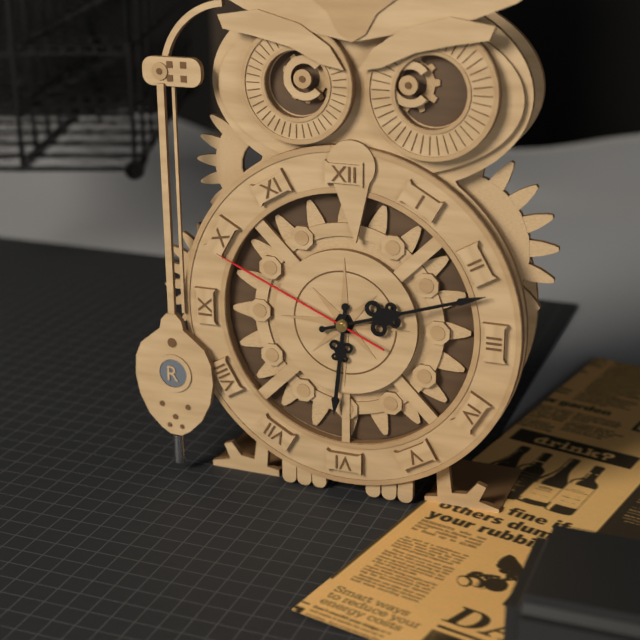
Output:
6,12,49
